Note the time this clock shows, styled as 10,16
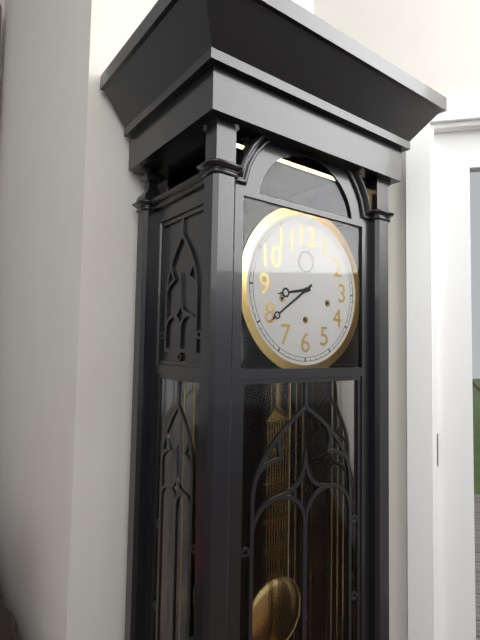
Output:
8,39
